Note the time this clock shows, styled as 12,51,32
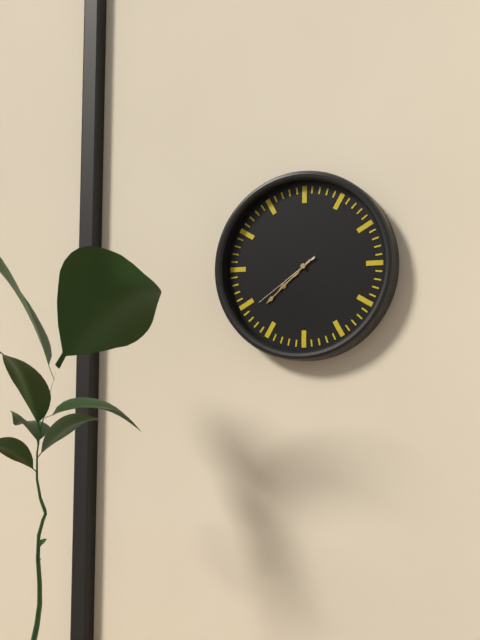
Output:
7,38,39
